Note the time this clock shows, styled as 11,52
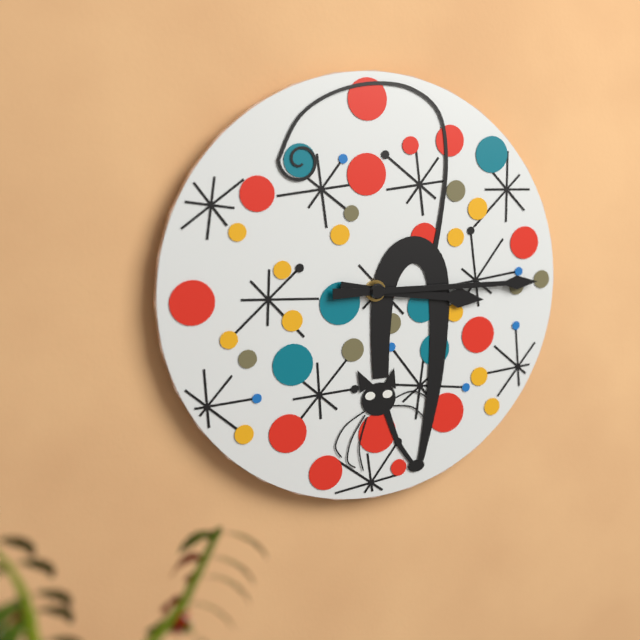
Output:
3,15
